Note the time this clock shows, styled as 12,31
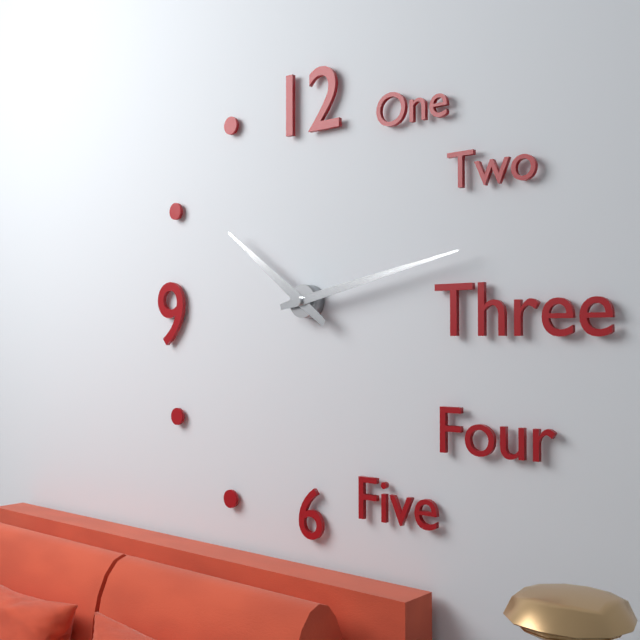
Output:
10,13
